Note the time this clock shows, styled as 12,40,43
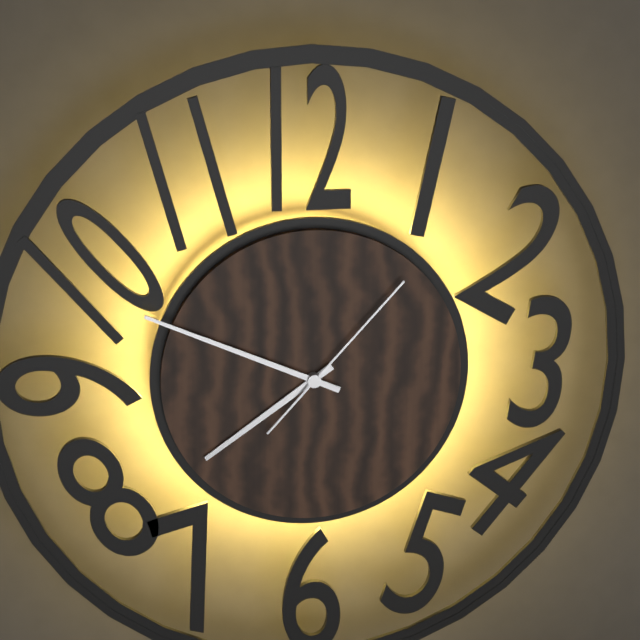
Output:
7,49,07
